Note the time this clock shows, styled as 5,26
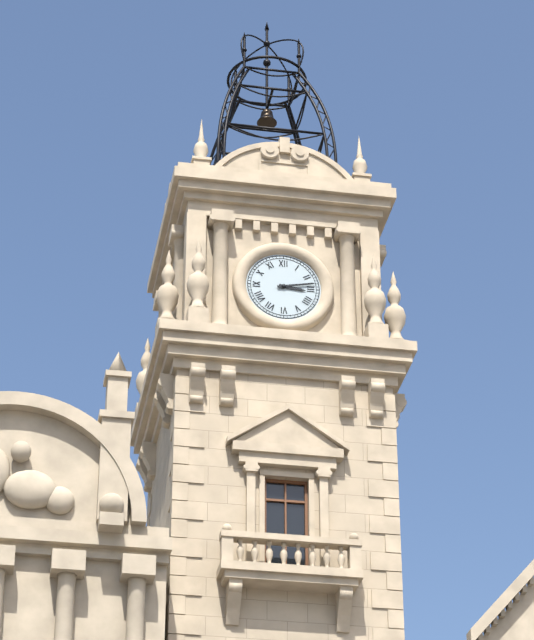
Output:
3,13
